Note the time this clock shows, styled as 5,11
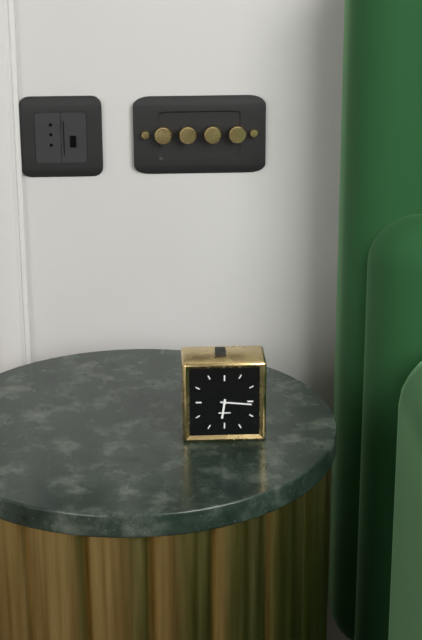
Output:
6,16
